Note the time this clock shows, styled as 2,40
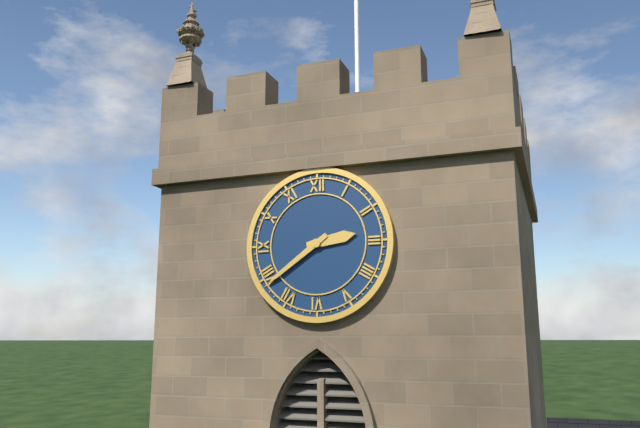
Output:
2,39
